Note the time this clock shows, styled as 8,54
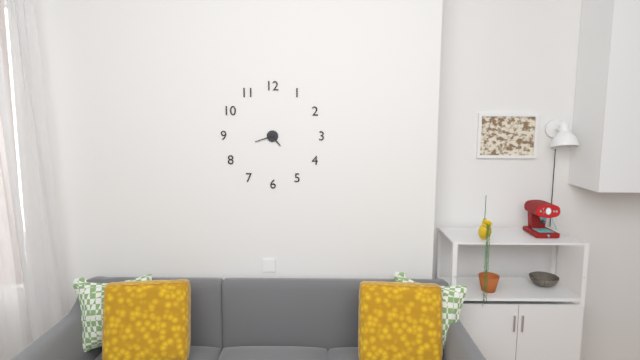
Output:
4,42
